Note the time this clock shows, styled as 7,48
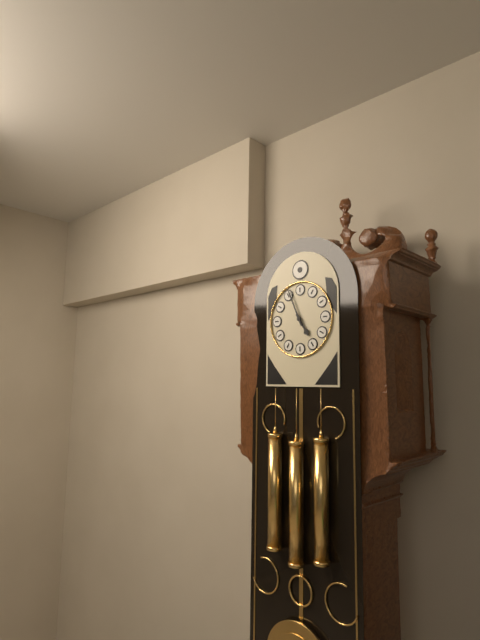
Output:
4,56
